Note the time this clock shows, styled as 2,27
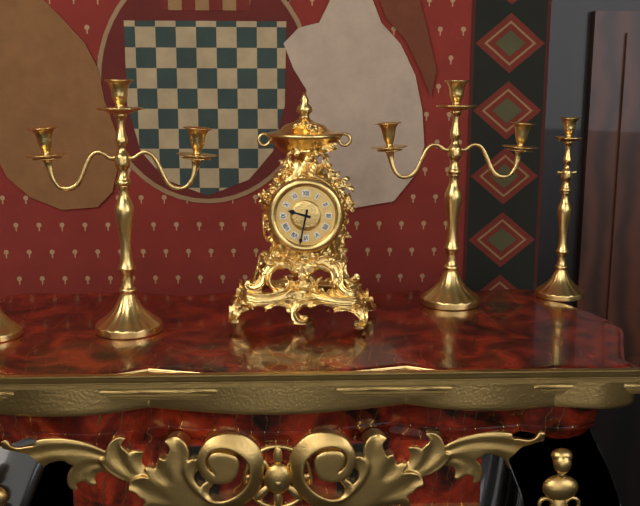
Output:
9,32
